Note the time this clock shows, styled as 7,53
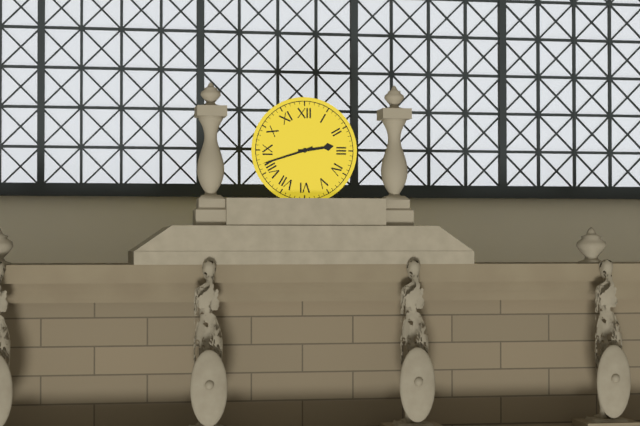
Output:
2,42
